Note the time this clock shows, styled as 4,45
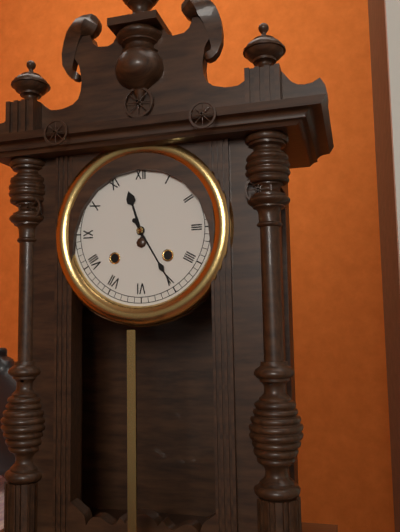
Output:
11,25
